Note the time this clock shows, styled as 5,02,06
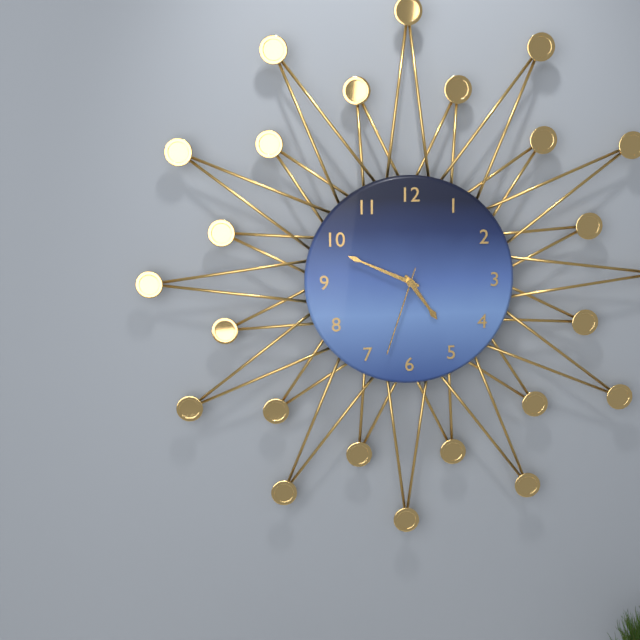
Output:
4,49,33
